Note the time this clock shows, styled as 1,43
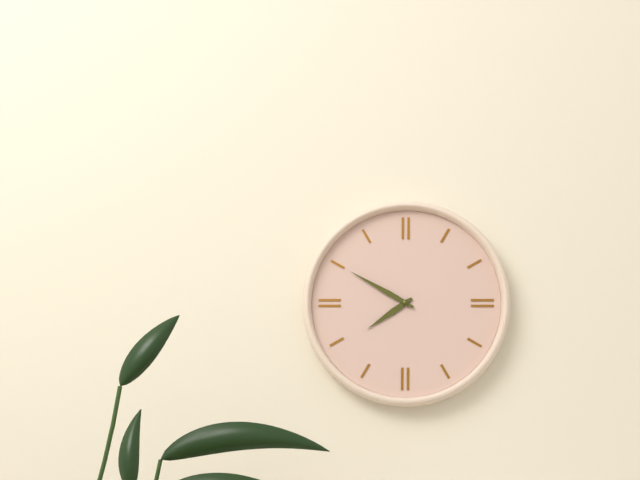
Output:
7,50
